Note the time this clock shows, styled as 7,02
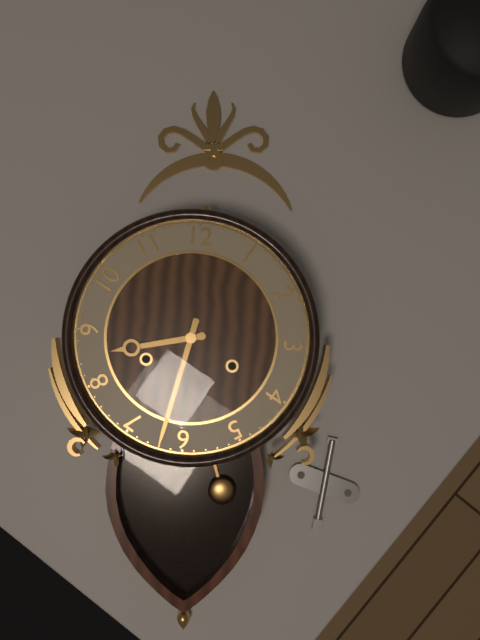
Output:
8,32
